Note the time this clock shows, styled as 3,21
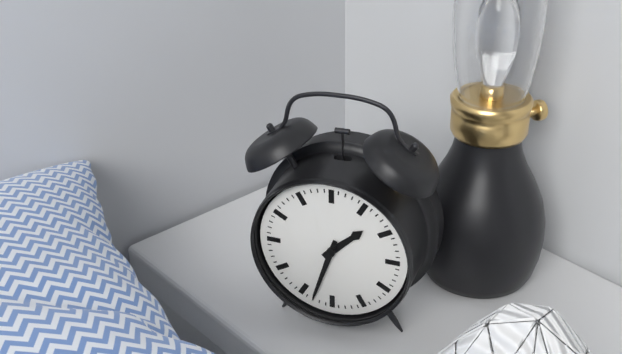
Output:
1,33
